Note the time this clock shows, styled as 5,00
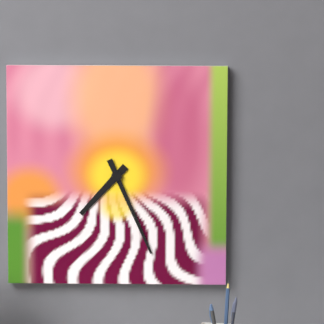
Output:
7,26
